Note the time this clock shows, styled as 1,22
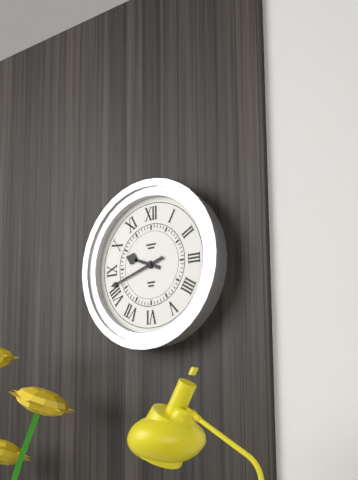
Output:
9,42
